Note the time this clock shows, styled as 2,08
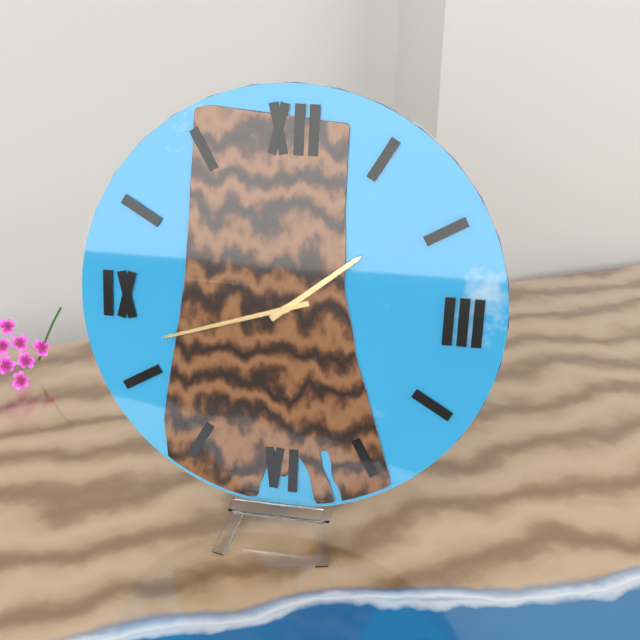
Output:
1,42
